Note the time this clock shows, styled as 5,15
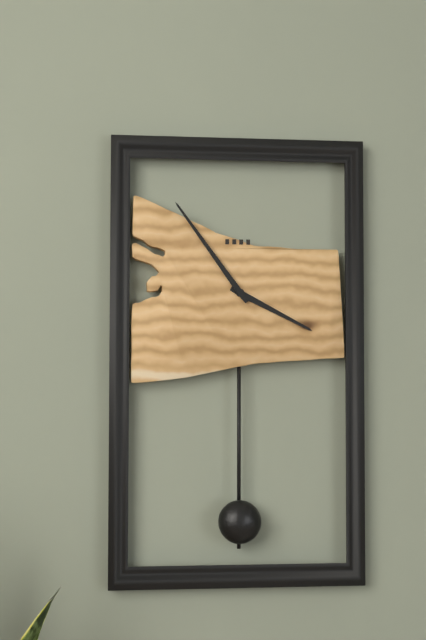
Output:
3,54
